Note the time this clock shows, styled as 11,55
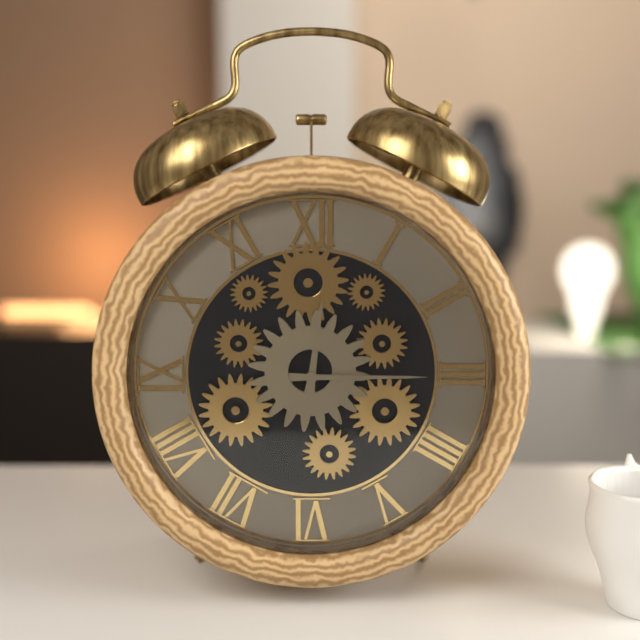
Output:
12,15
